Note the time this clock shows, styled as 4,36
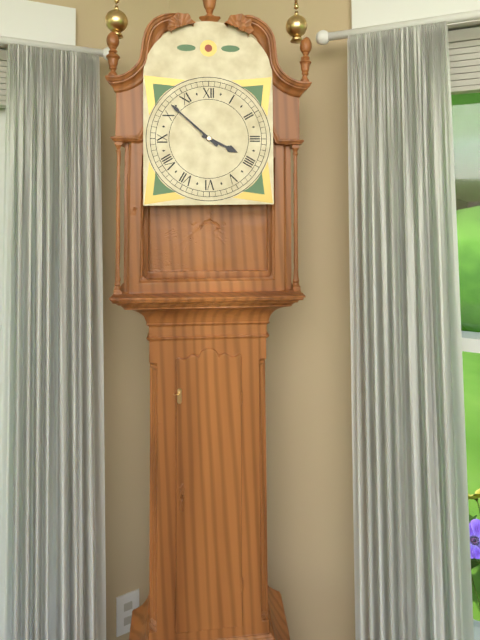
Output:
3,52
